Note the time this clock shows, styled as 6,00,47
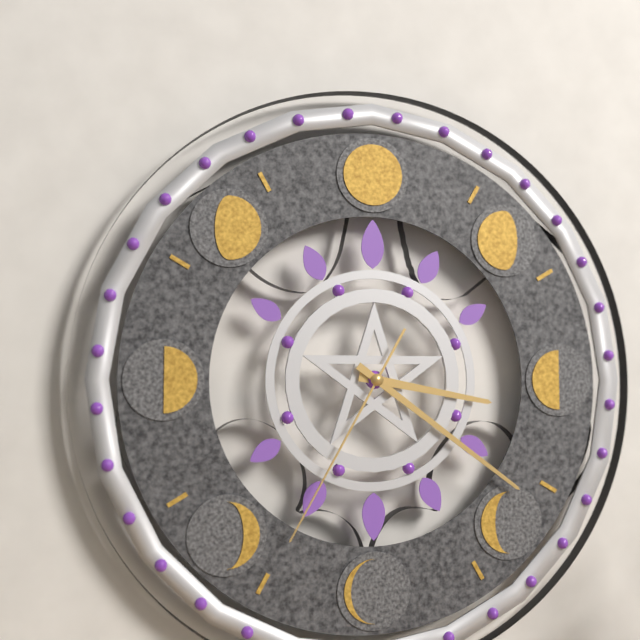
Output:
3,21,35
